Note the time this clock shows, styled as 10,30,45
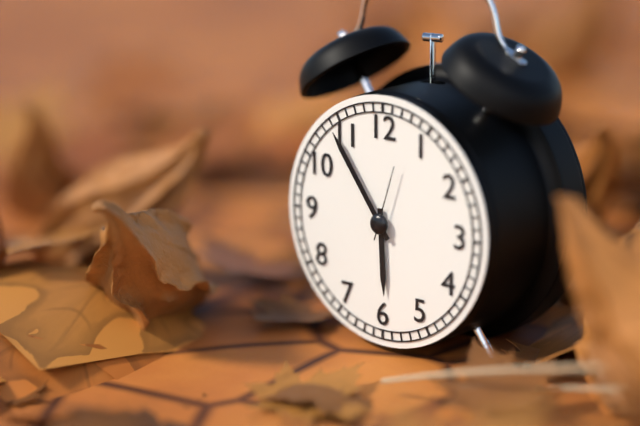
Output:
5,54,03
